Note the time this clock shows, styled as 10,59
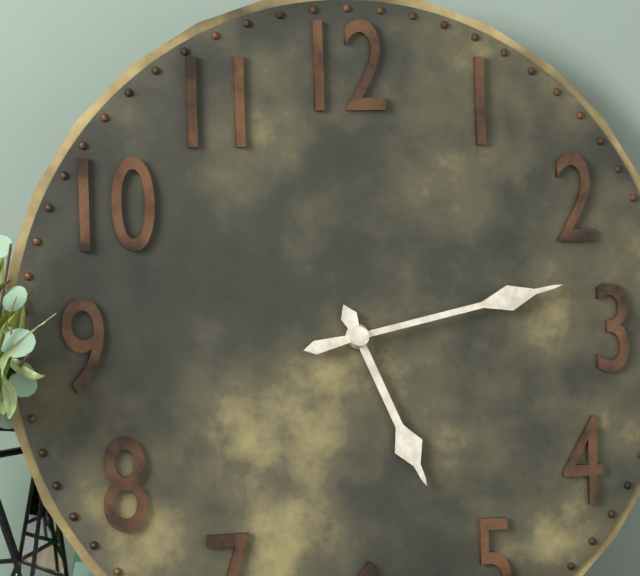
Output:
5,13
